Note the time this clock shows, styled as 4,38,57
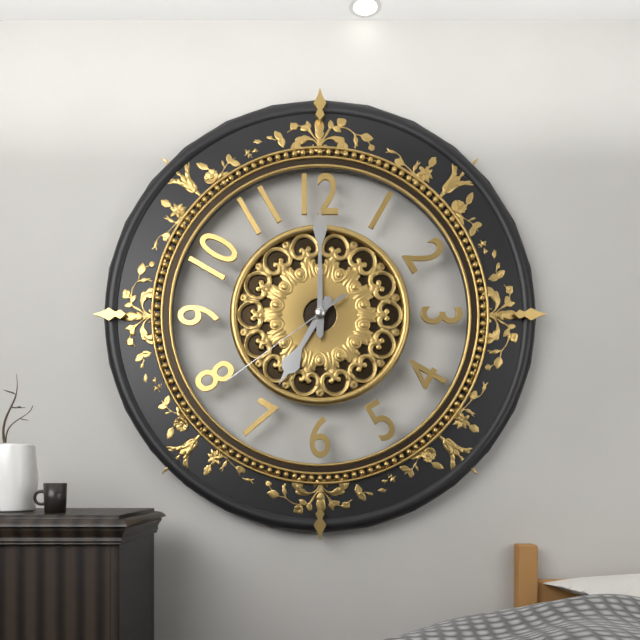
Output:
7,00,39
